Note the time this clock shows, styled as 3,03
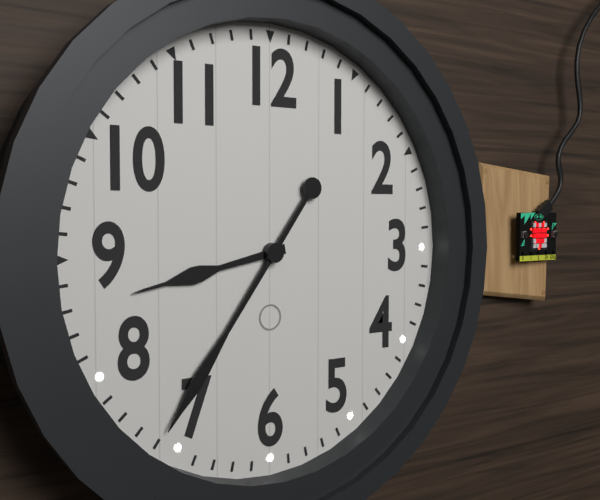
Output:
8,36
